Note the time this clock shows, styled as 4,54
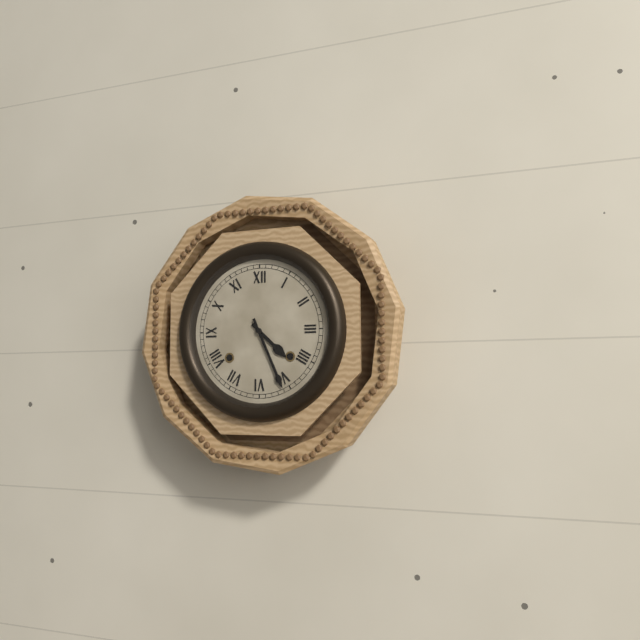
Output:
4,26
